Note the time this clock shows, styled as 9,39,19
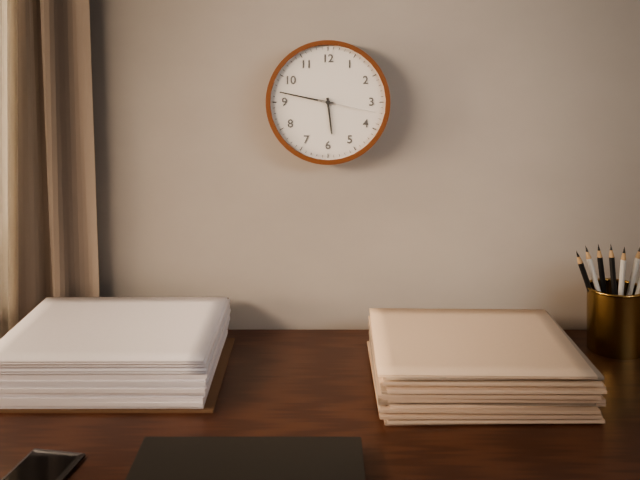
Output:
5,47,17
